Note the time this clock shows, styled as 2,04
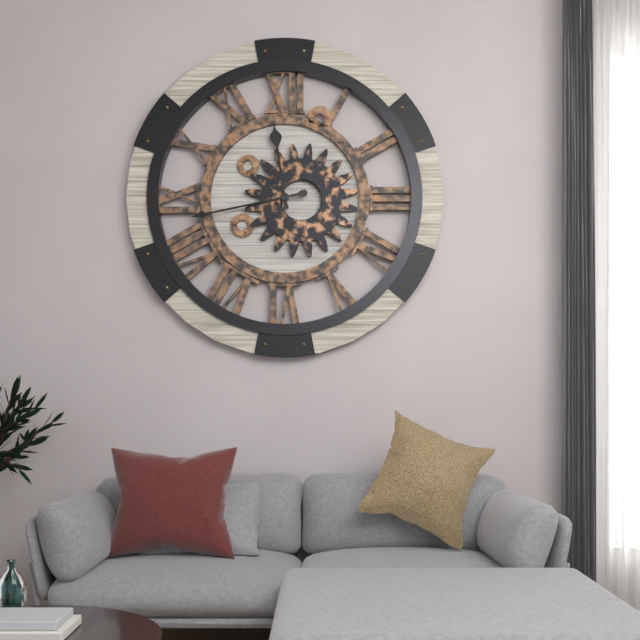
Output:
11,43
